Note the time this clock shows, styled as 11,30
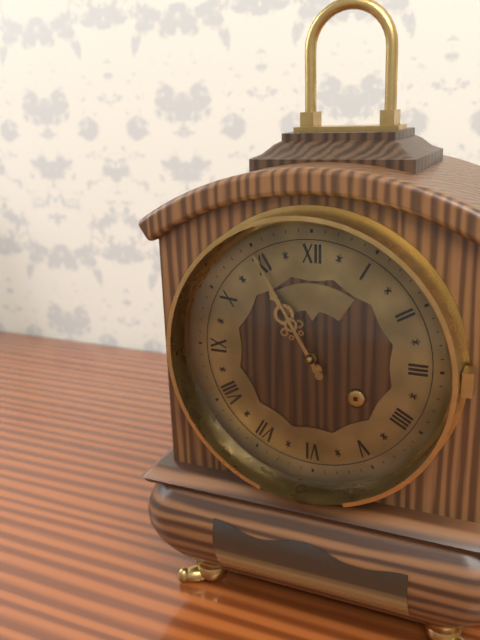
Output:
10,55
